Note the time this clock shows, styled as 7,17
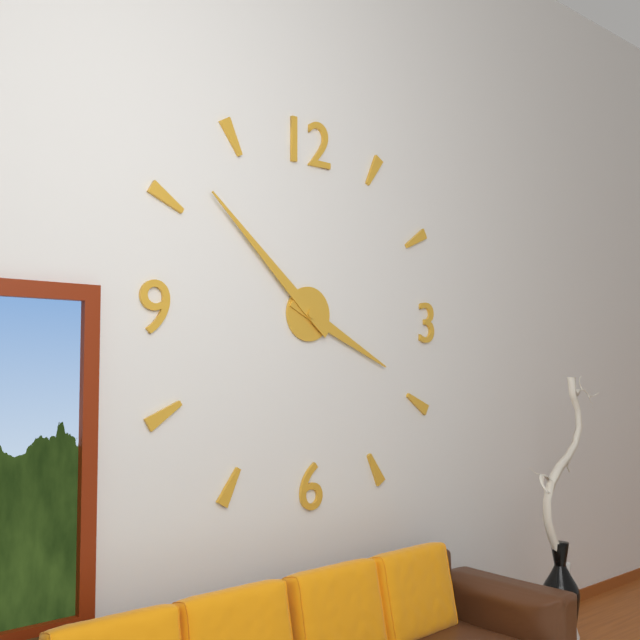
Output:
3,52
